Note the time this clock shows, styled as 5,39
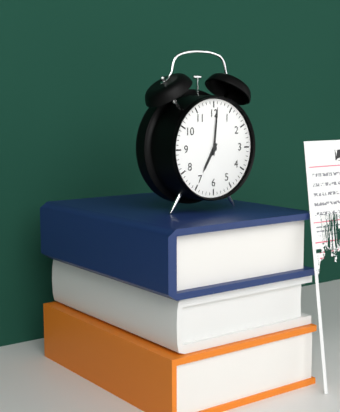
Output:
7,01
